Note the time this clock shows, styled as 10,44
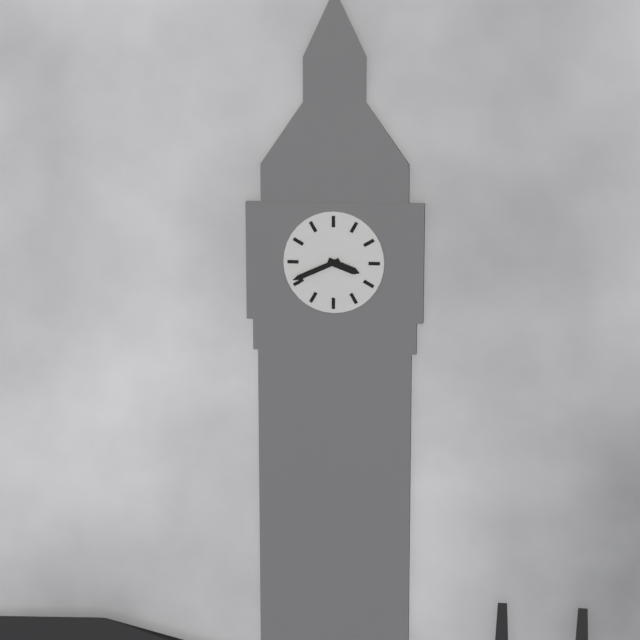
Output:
3,41
